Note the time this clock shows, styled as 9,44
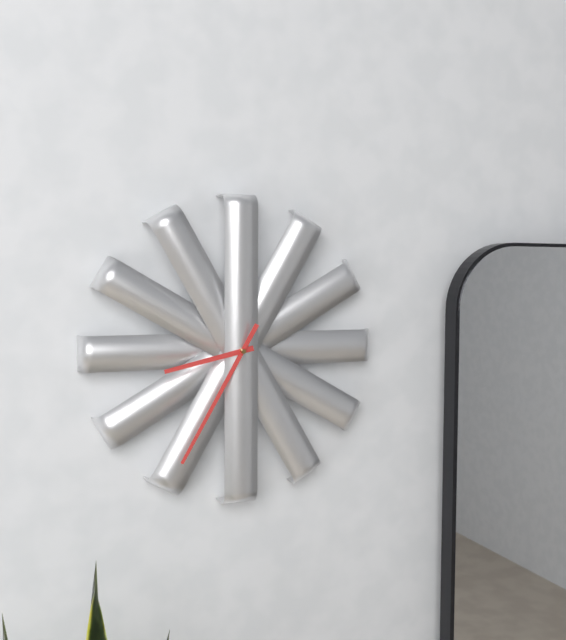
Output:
8,35
